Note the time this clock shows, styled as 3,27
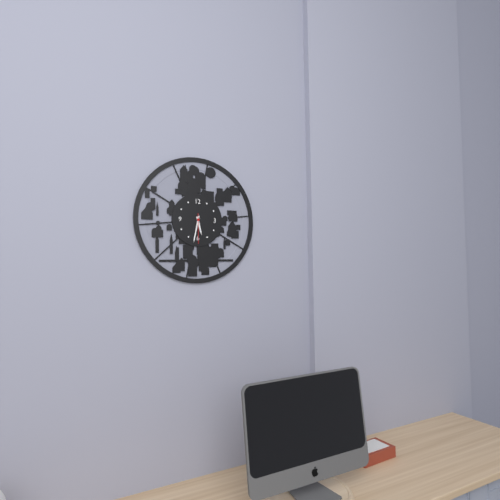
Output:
5,32
